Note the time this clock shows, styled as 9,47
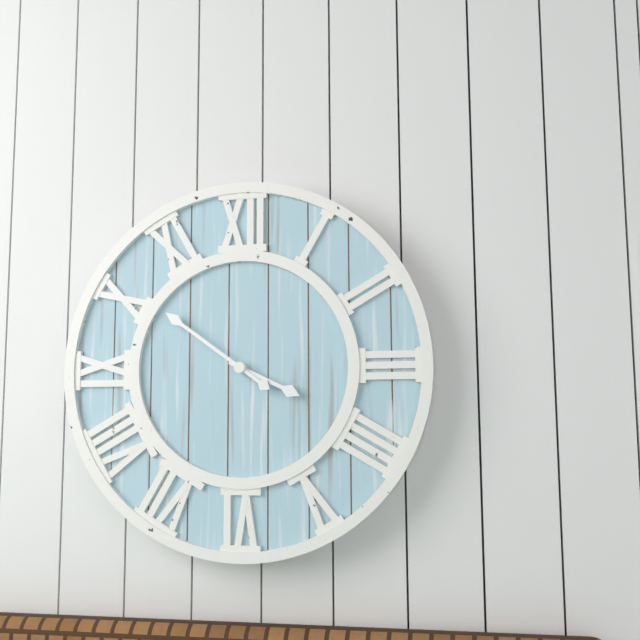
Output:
3,51
